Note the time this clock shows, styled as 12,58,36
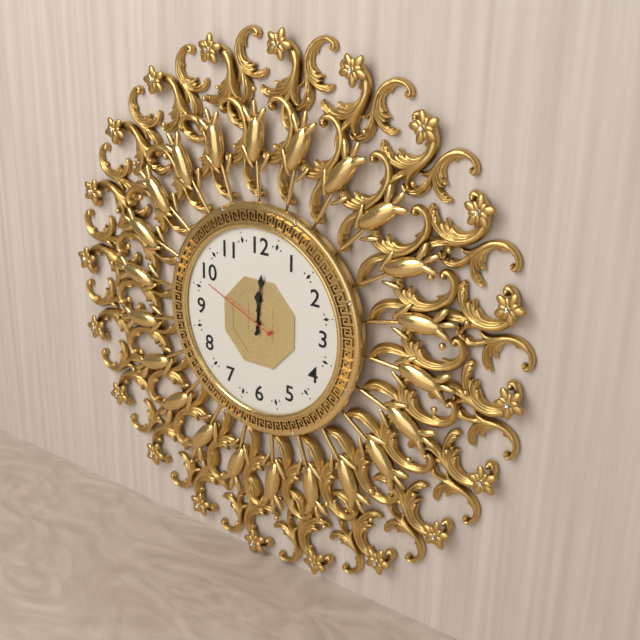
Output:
12,01,49
